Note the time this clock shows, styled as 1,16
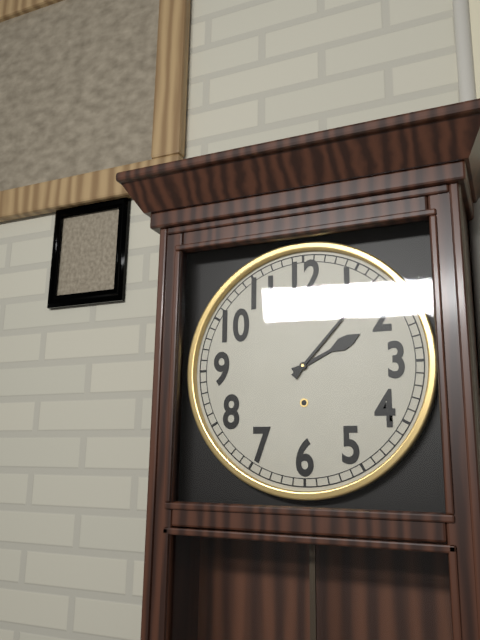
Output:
2,07
